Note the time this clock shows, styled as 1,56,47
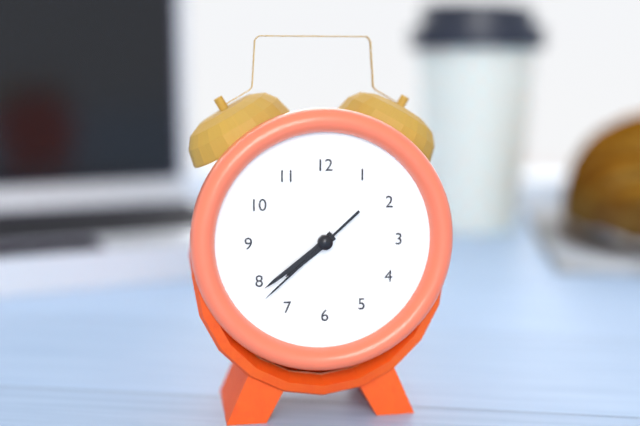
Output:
7,39,38
